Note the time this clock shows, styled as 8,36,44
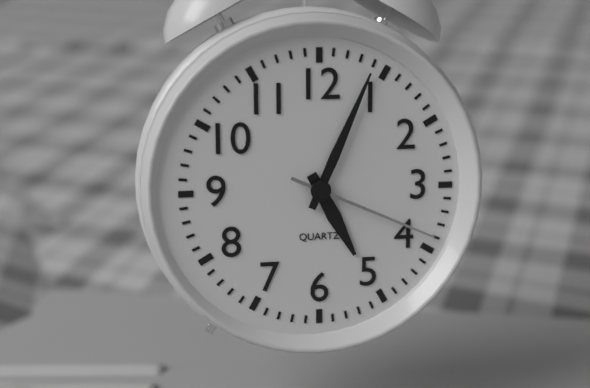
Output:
5,04,19
